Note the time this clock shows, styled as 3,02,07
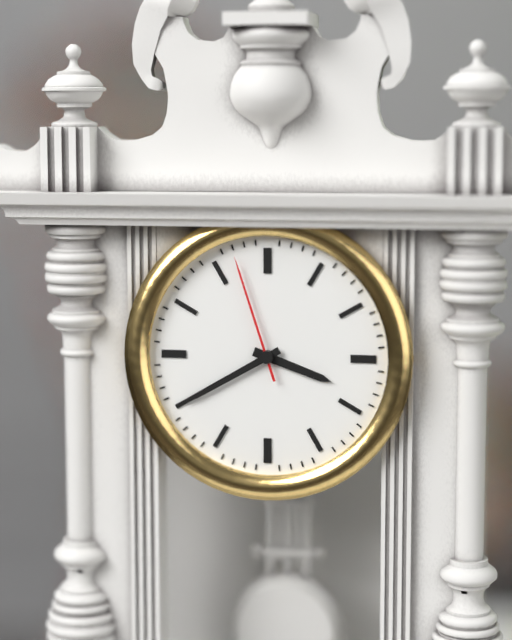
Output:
3,40,57
